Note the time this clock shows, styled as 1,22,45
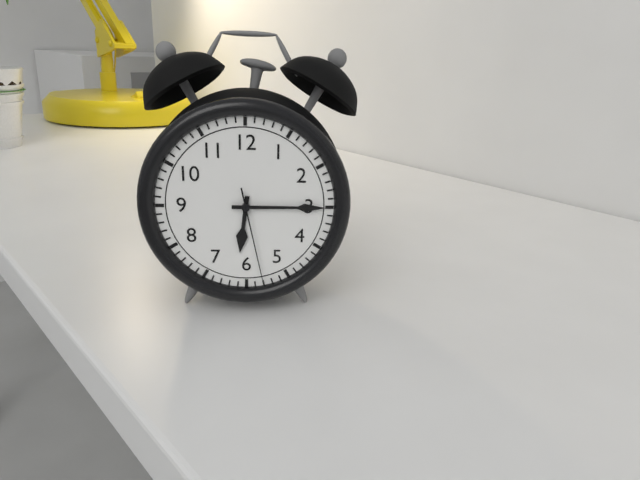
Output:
6,15,28
